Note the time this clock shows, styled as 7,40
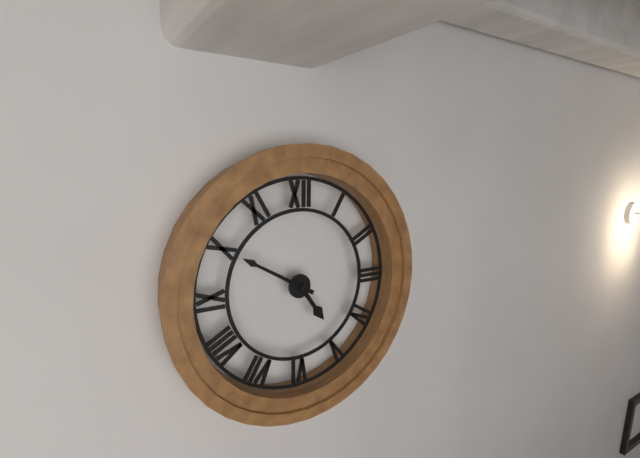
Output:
4,50
